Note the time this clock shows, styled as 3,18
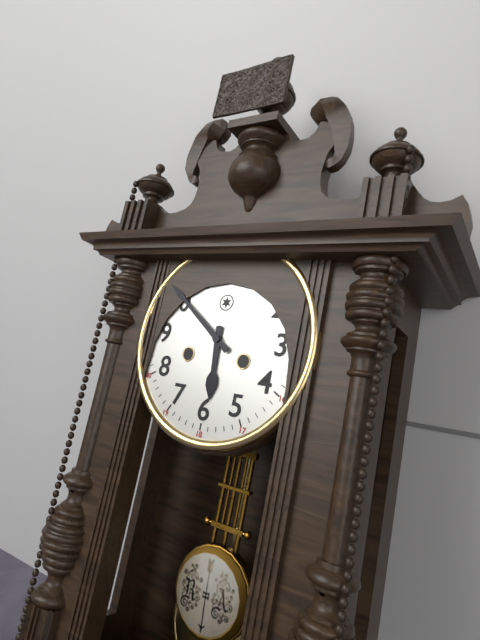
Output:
5,51
